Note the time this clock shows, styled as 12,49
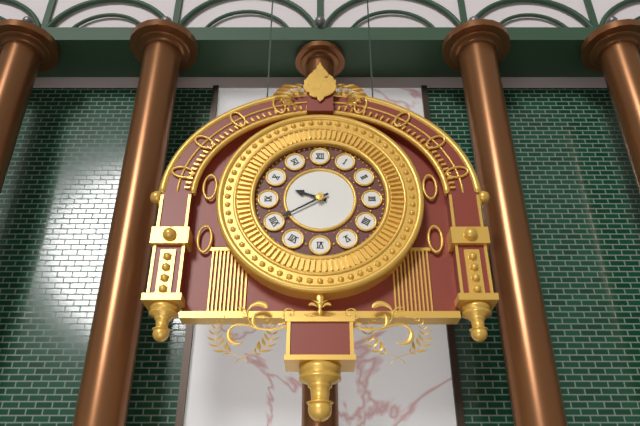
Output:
9,40
